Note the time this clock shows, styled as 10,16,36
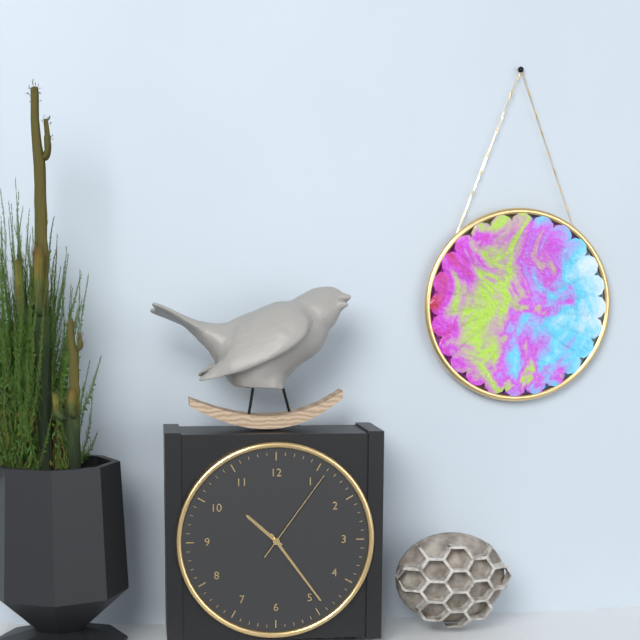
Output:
10,24,06
